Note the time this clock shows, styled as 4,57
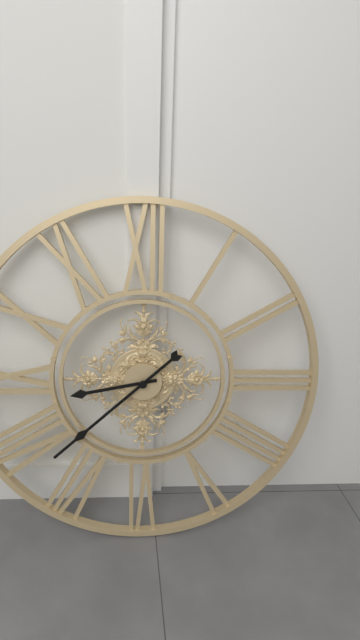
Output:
8,38
